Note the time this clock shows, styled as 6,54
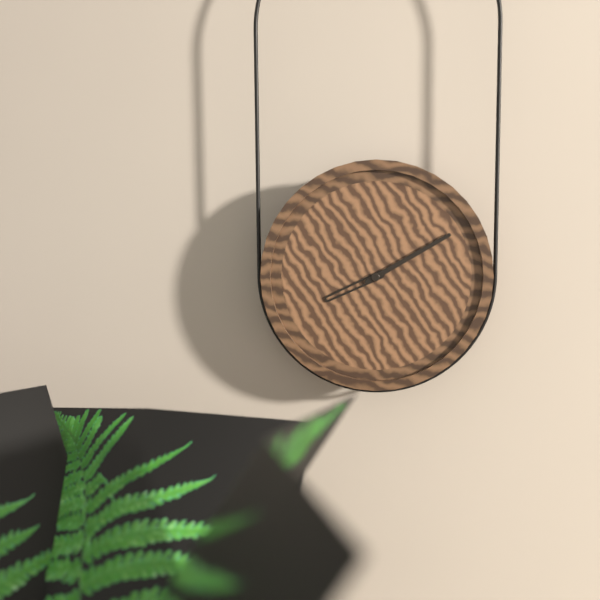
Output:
8,10
